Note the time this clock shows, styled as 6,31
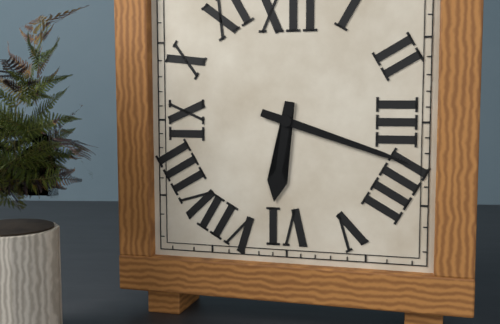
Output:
6,18
